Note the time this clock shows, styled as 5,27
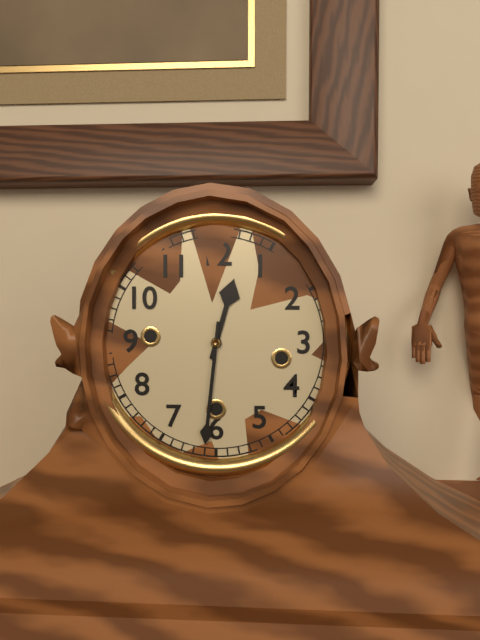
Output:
12,31
